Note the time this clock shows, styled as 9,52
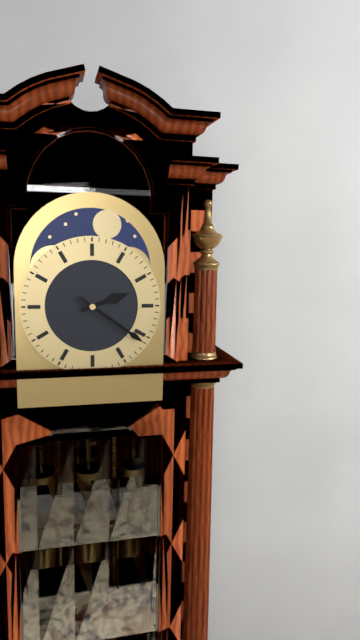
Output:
2,21
